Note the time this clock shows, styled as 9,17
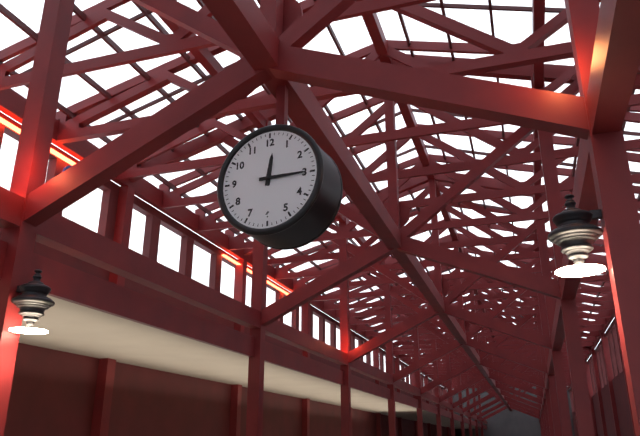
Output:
12,15
